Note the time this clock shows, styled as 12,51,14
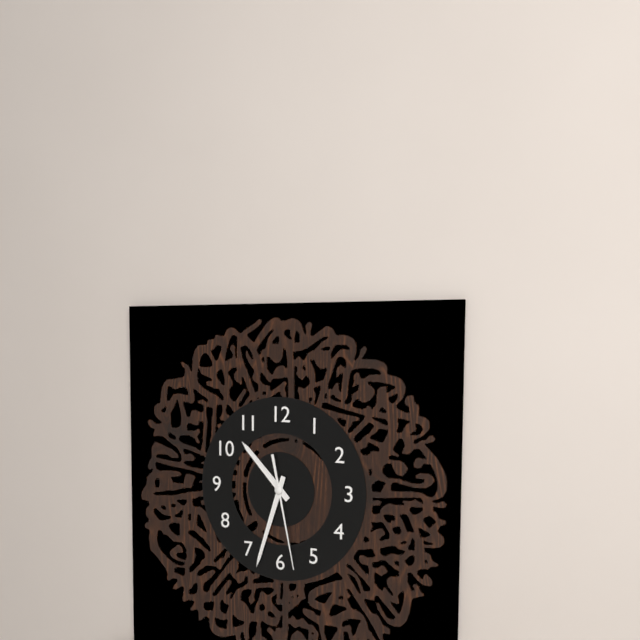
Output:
10,33,28
